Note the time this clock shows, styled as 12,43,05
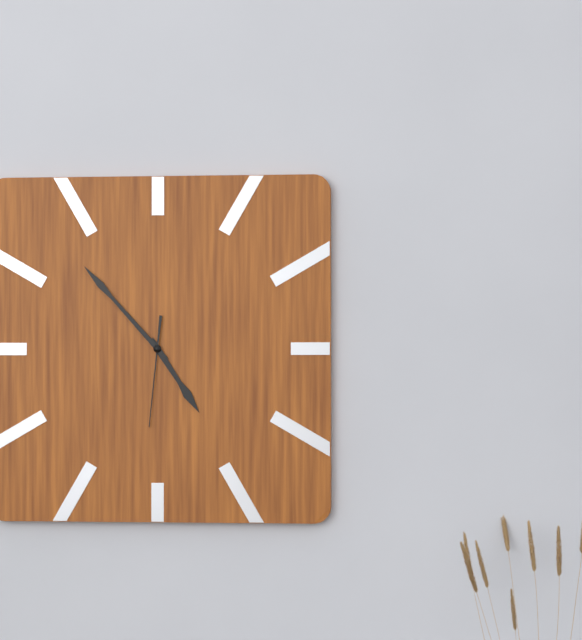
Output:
4,53,31
